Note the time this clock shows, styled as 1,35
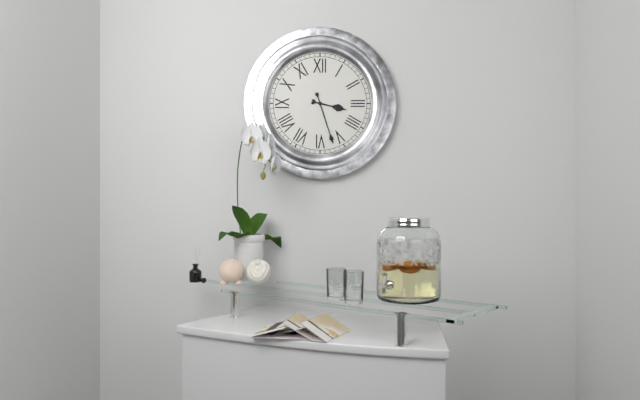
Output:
3,27
